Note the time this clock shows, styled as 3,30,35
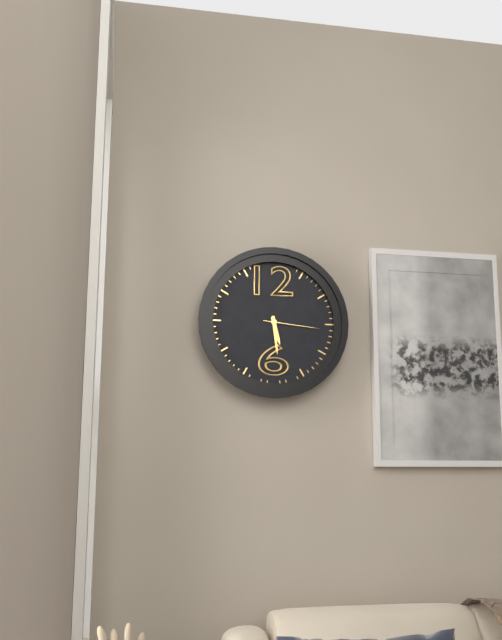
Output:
5,29,16
